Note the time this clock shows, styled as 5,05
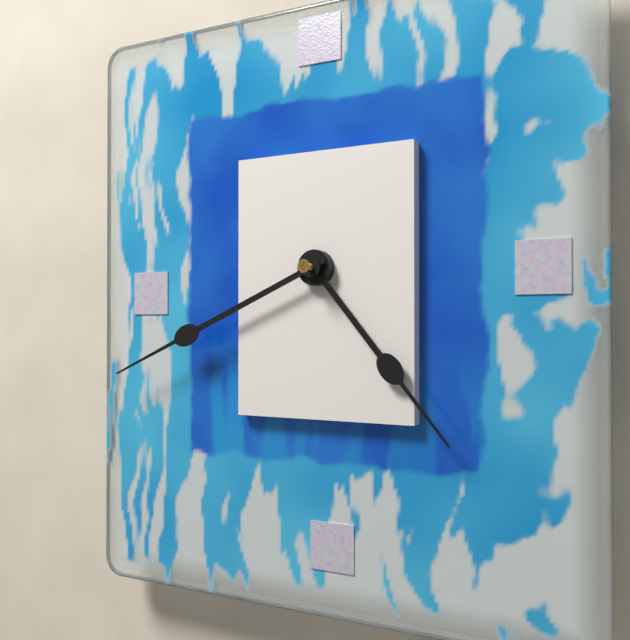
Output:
4,41
